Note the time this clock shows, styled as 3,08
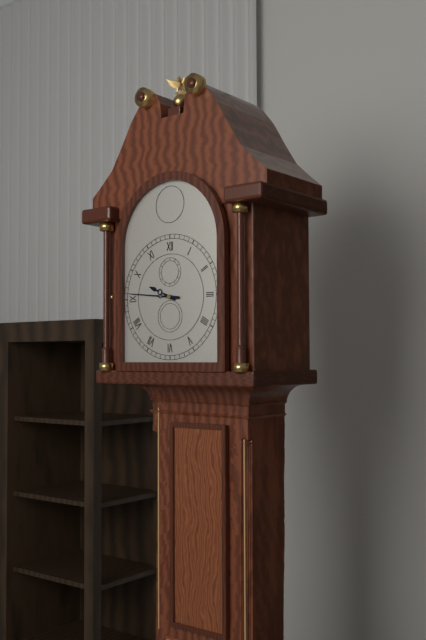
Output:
9,46
